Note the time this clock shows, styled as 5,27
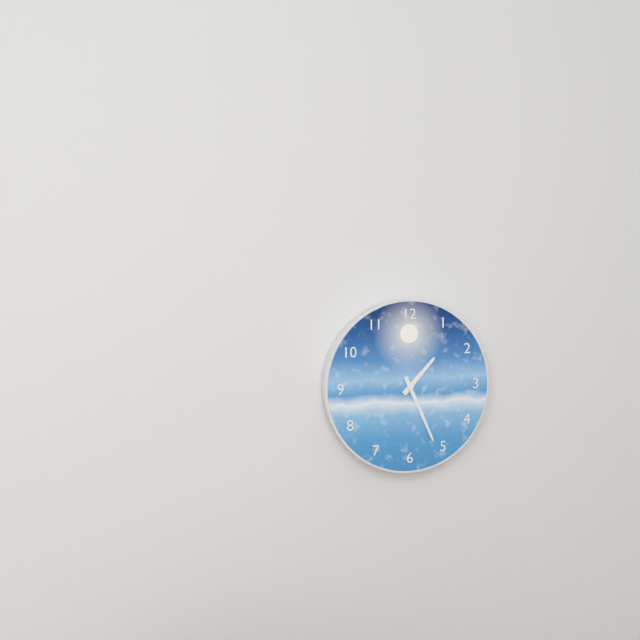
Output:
1,26
